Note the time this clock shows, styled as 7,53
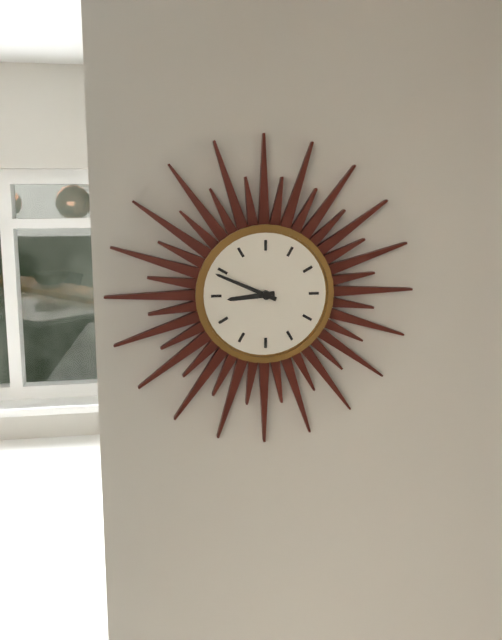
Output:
8,49
